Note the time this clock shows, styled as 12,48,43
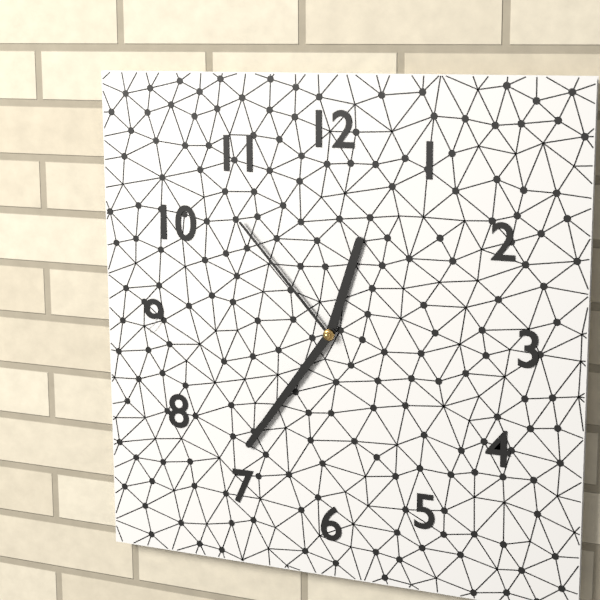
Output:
12,36,53
